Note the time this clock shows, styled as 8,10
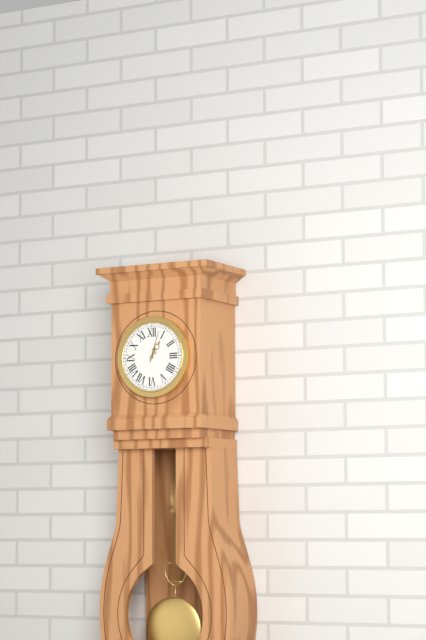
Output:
1,03
